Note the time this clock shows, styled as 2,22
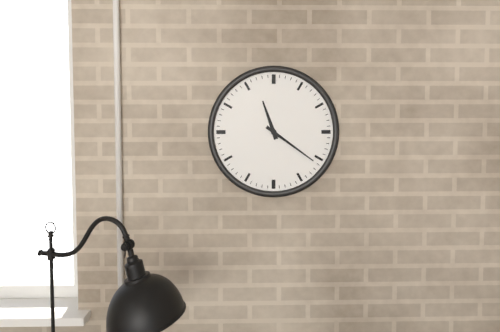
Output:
11,21
